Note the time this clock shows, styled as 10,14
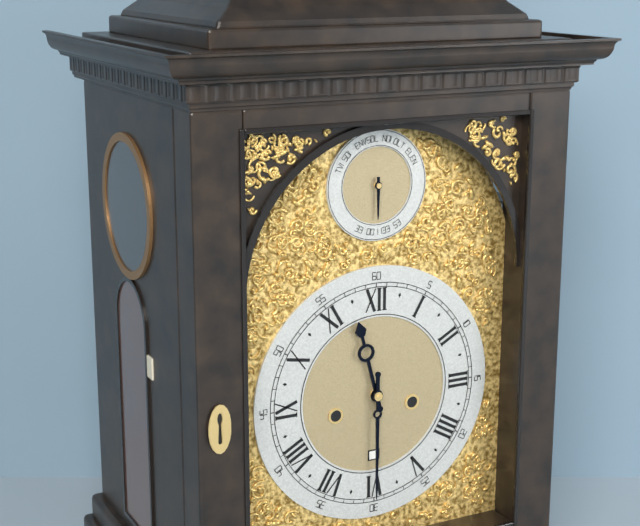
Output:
11,30
